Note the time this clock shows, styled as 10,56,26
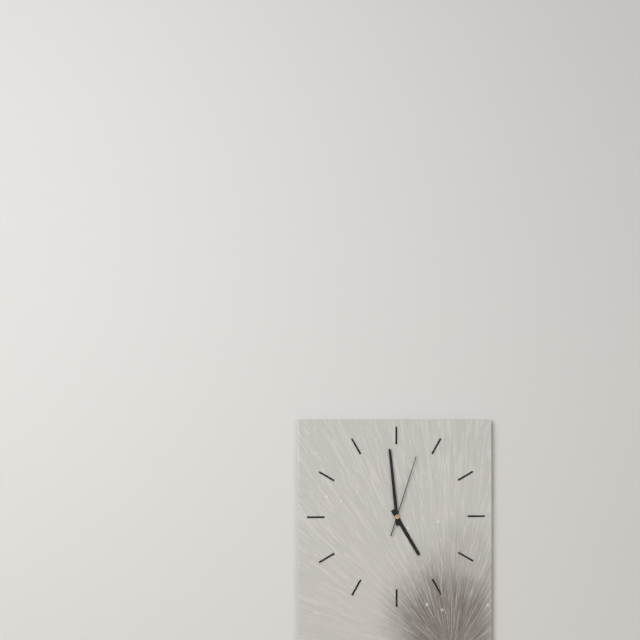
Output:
4,59,03
